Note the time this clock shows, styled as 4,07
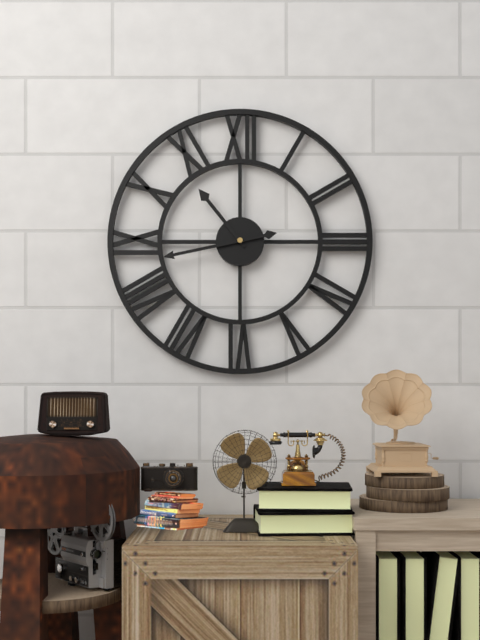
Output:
10,43
